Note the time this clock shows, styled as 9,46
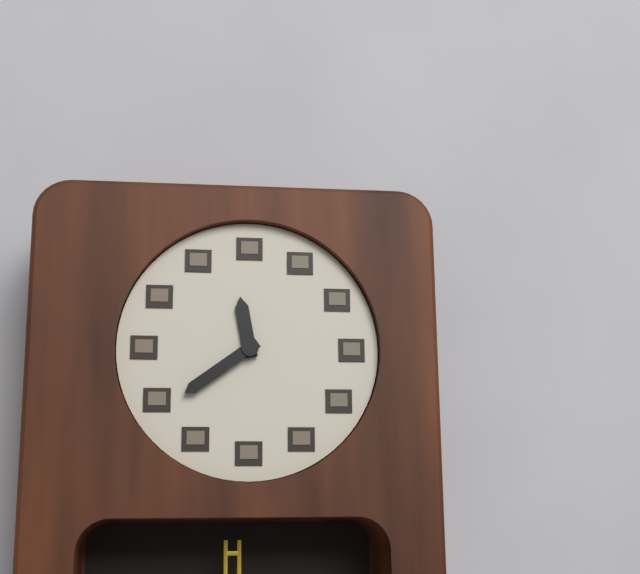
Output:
11,39
